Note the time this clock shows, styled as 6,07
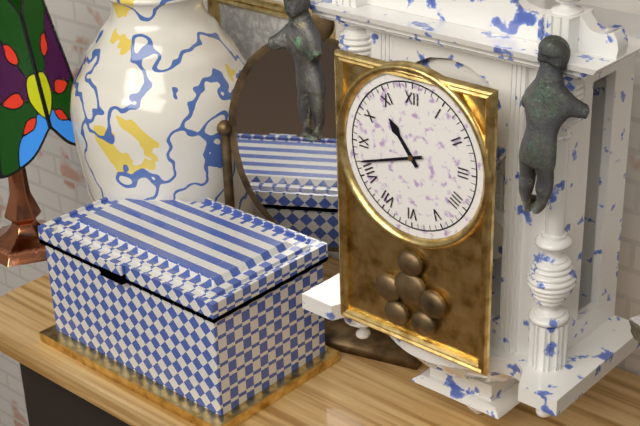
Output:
10,42
